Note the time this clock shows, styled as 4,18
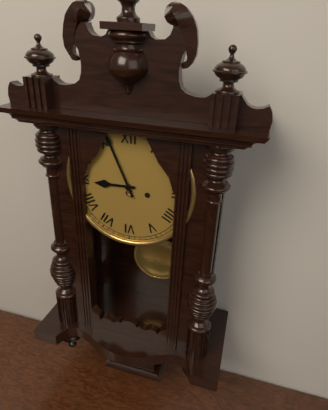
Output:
8,56
